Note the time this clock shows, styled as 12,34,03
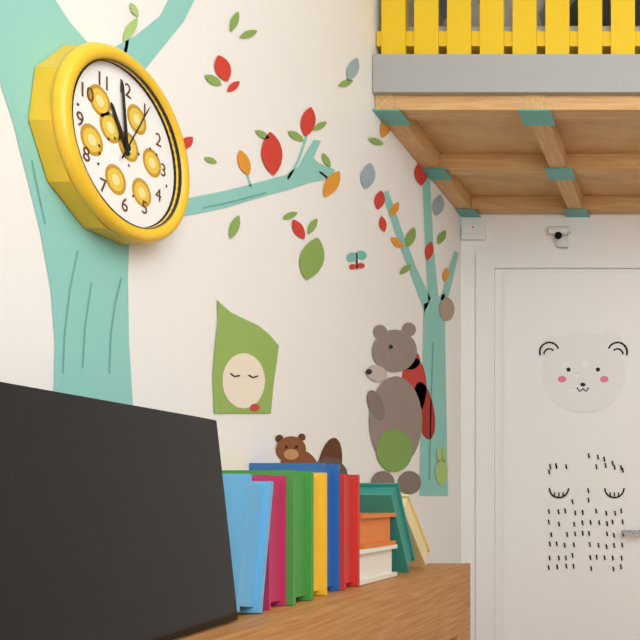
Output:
10,59,05
